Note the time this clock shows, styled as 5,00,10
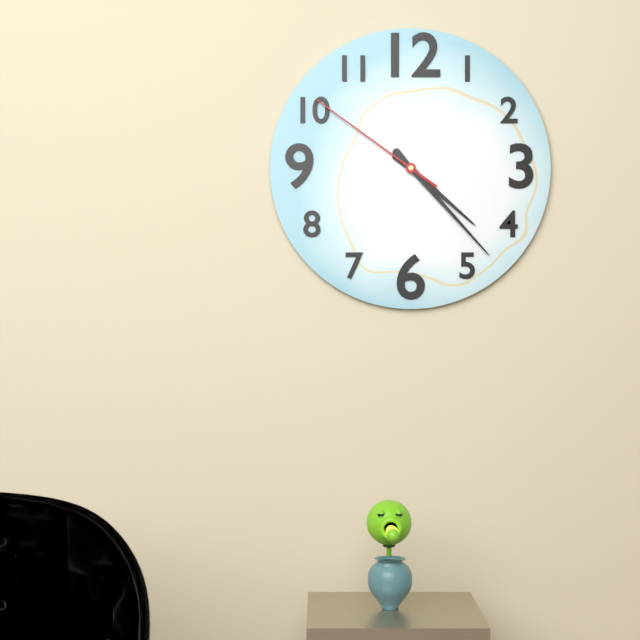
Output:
4,23,51
